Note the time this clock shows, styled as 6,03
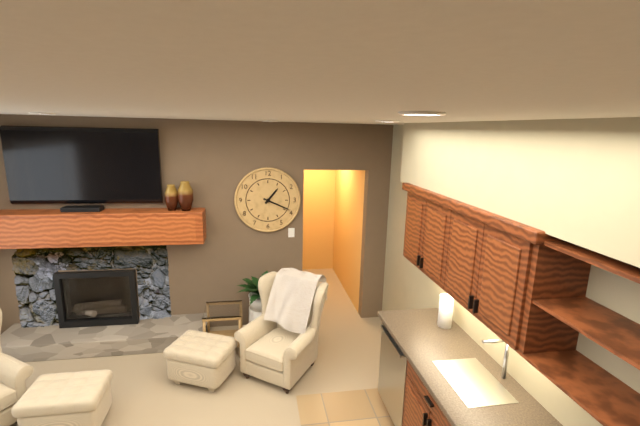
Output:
1,19
